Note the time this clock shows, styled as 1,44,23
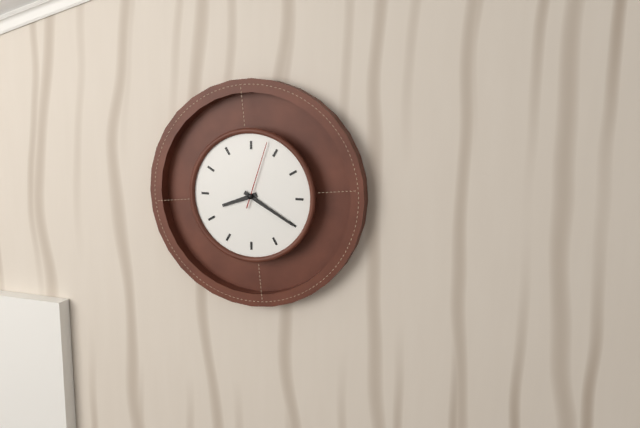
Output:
8,20,03
